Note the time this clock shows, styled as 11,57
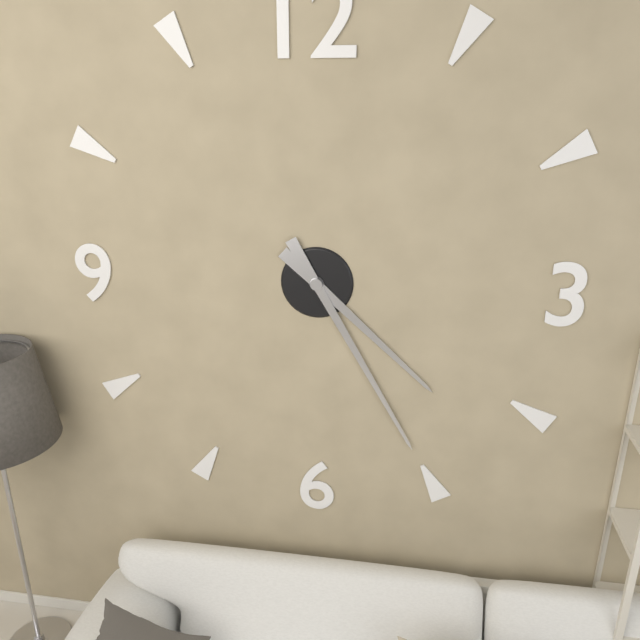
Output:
4,25
